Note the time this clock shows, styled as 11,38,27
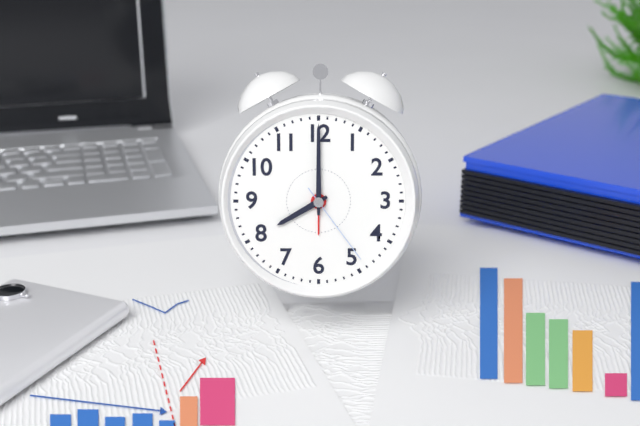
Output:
8,00,24
